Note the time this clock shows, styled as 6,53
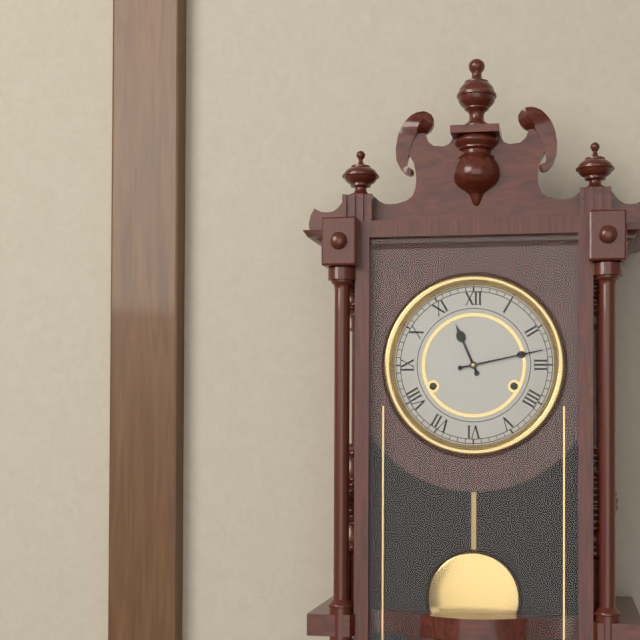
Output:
11,13
